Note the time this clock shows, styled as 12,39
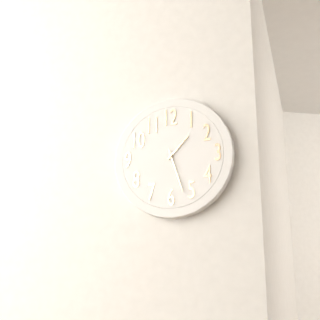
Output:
1,27
